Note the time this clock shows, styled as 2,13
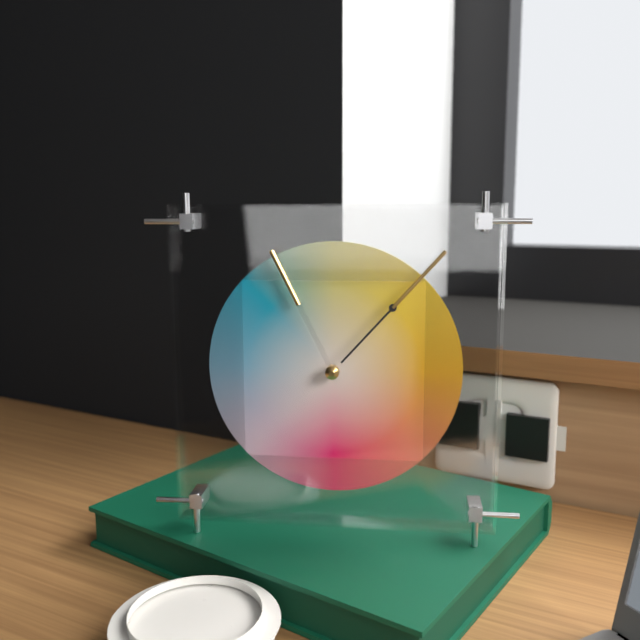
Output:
11,07
